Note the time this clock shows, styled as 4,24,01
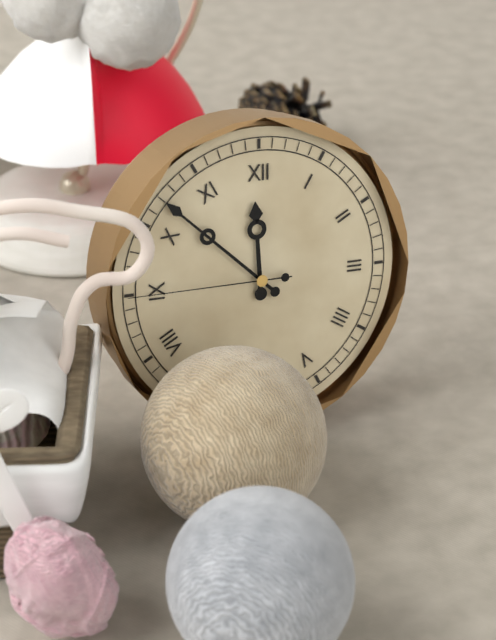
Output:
11,52,45
